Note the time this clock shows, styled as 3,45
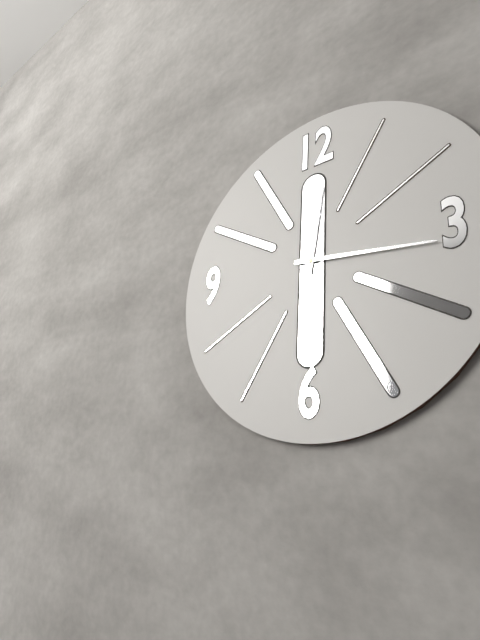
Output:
12,16
